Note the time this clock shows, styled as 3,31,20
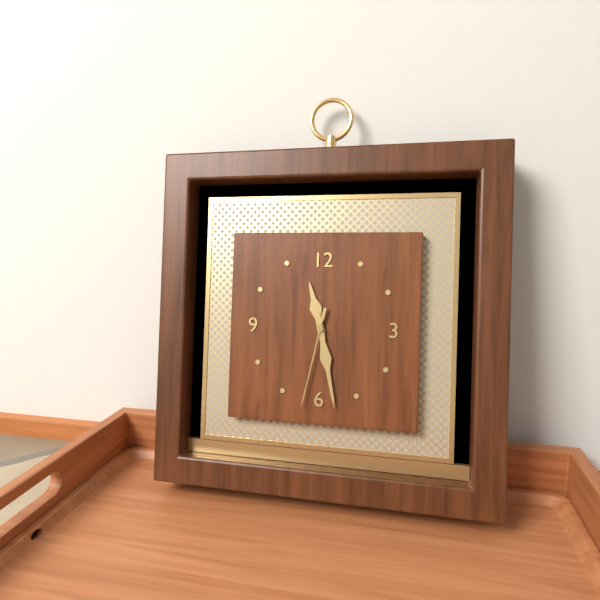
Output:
11,28,32
